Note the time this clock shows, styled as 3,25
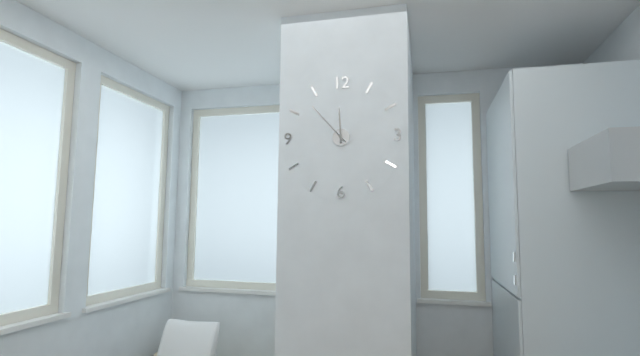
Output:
11,53
